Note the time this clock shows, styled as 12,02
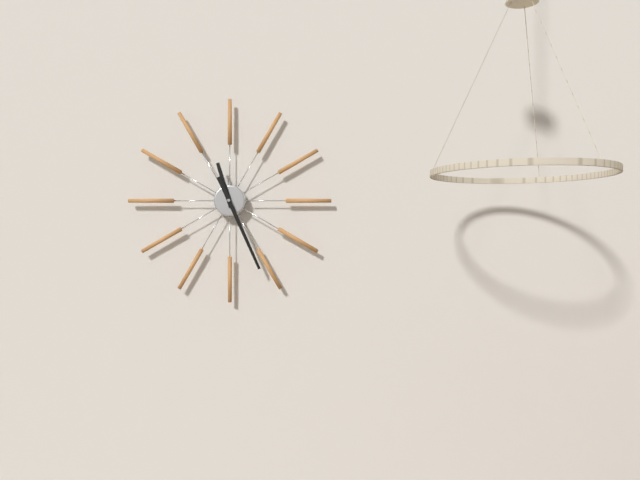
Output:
11,26
